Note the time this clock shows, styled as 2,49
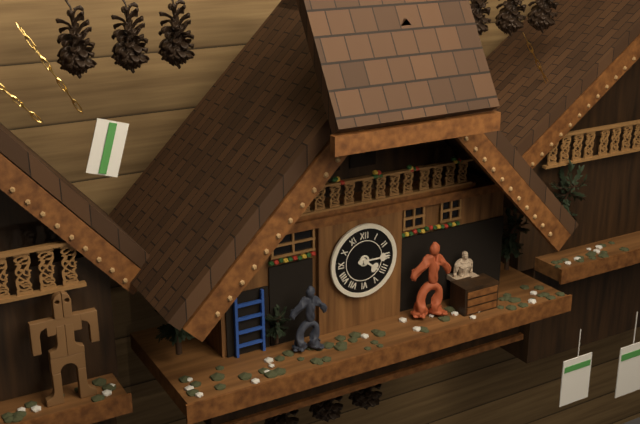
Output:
4,15
